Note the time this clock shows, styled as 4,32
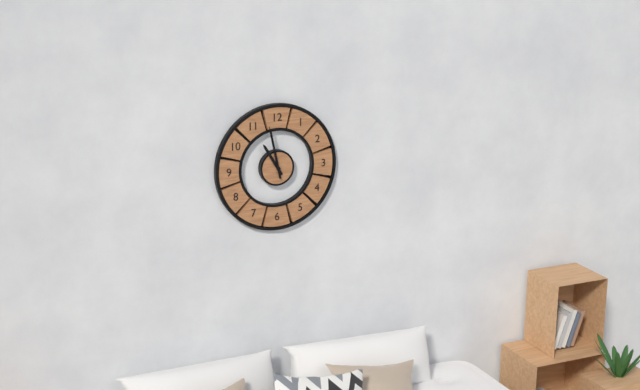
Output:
10,58
